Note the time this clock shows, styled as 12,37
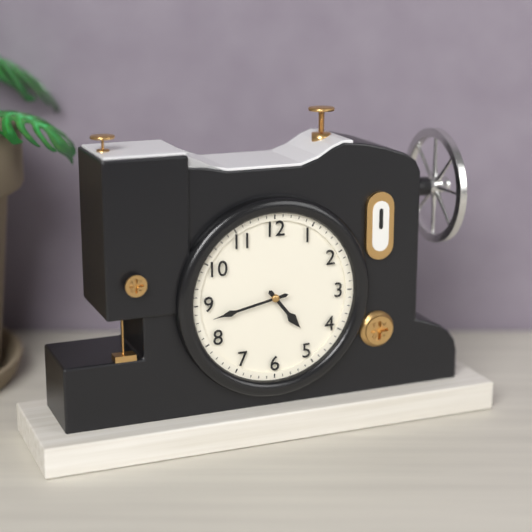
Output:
4,43
